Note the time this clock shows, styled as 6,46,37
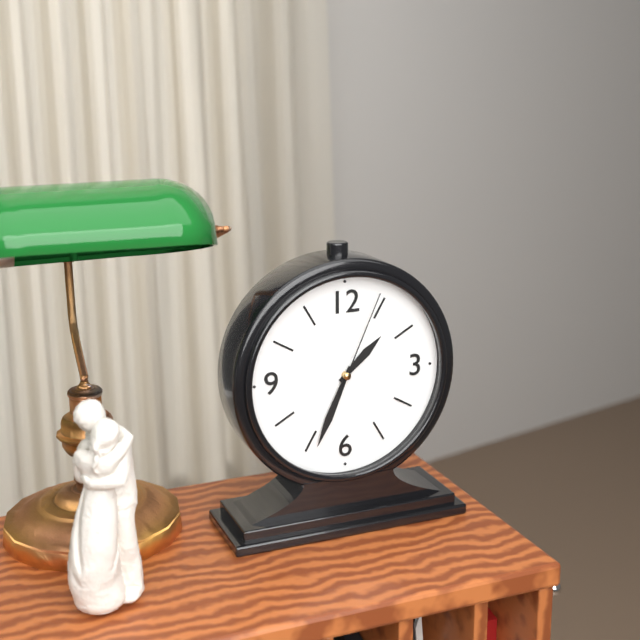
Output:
1,34,04
